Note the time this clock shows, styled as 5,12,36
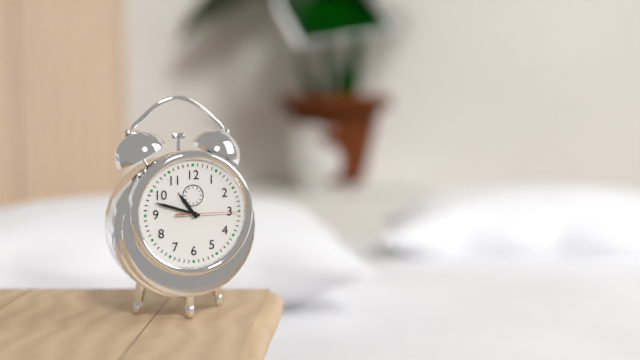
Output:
10,48,15
